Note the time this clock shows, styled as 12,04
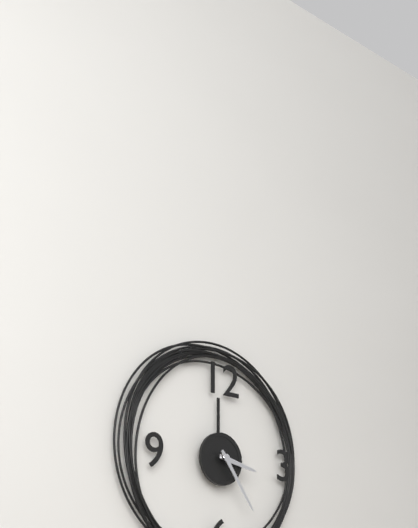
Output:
3,24
